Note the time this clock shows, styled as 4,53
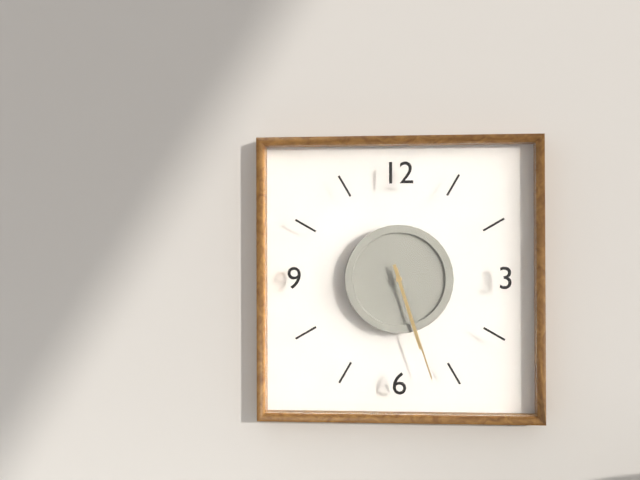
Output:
5,27
